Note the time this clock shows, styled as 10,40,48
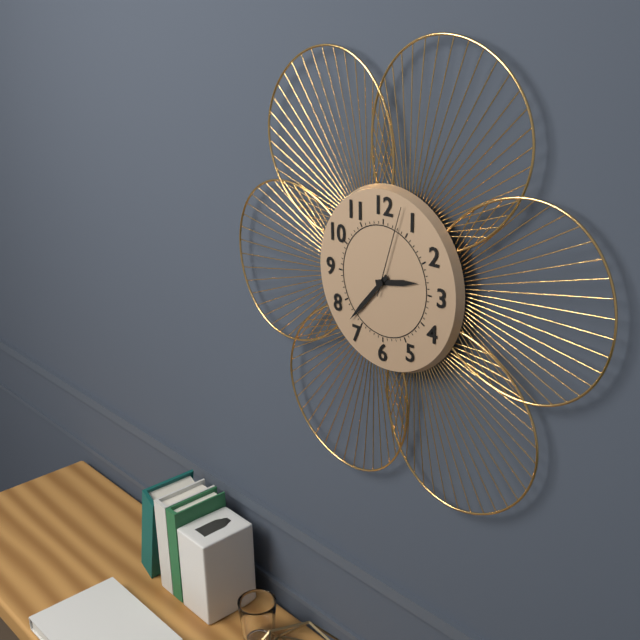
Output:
2,37,03
